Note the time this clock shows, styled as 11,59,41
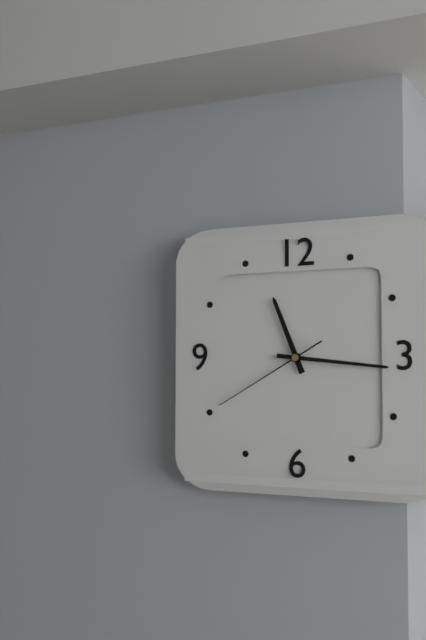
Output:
11,16,40
